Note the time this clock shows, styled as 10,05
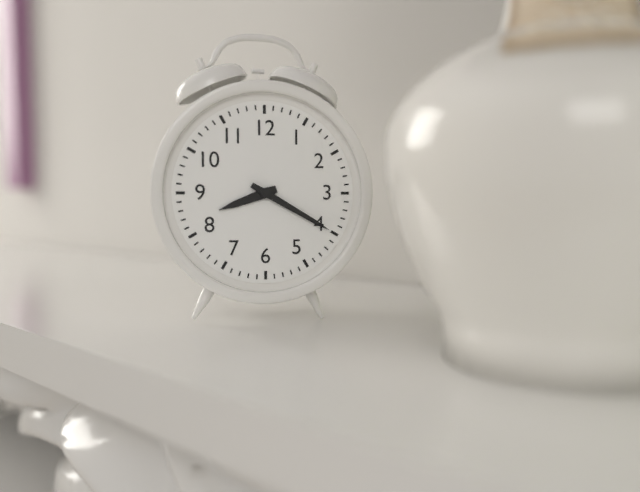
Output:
8,20
